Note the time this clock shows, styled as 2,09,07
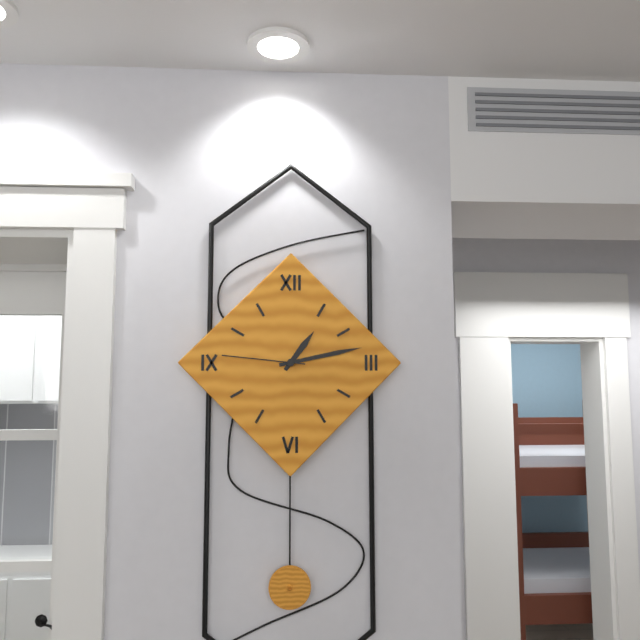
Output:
1,13,46
